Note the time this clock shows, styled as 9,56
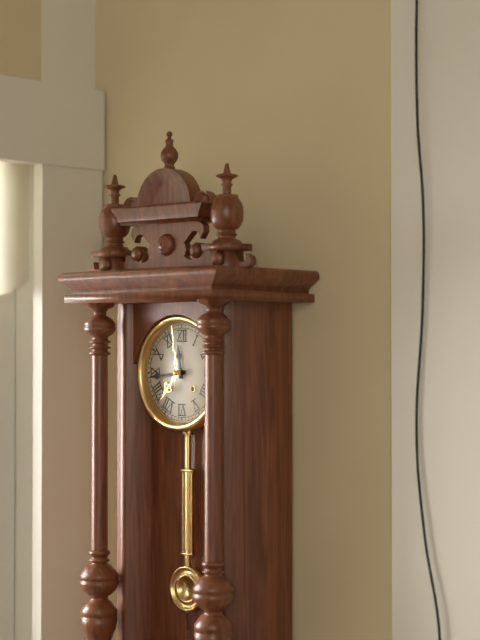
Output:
11,44
